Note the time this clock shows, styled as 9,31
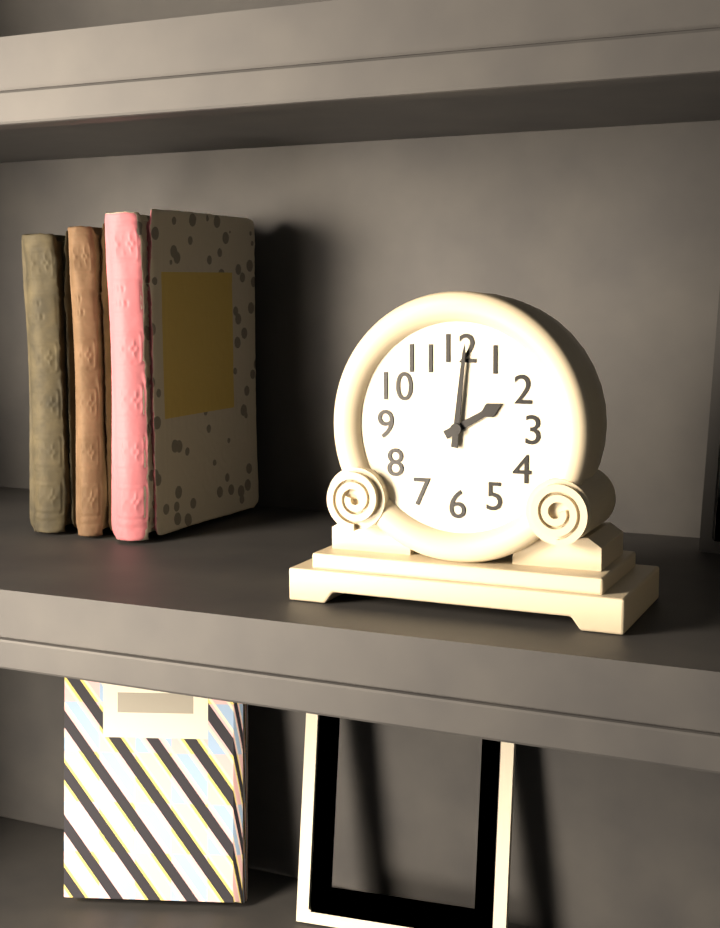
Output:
2,01
